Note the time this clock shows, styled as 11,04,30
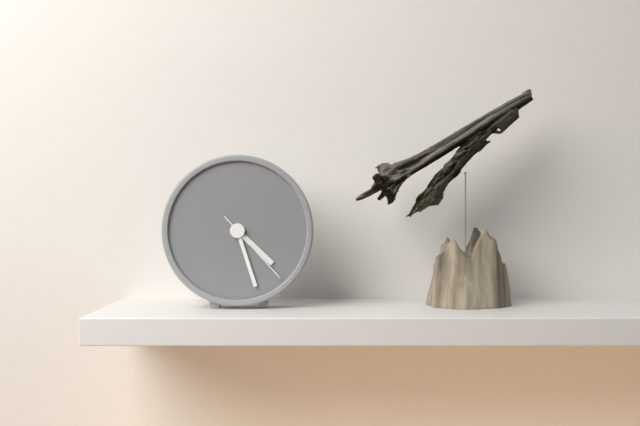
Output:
4,27,23
